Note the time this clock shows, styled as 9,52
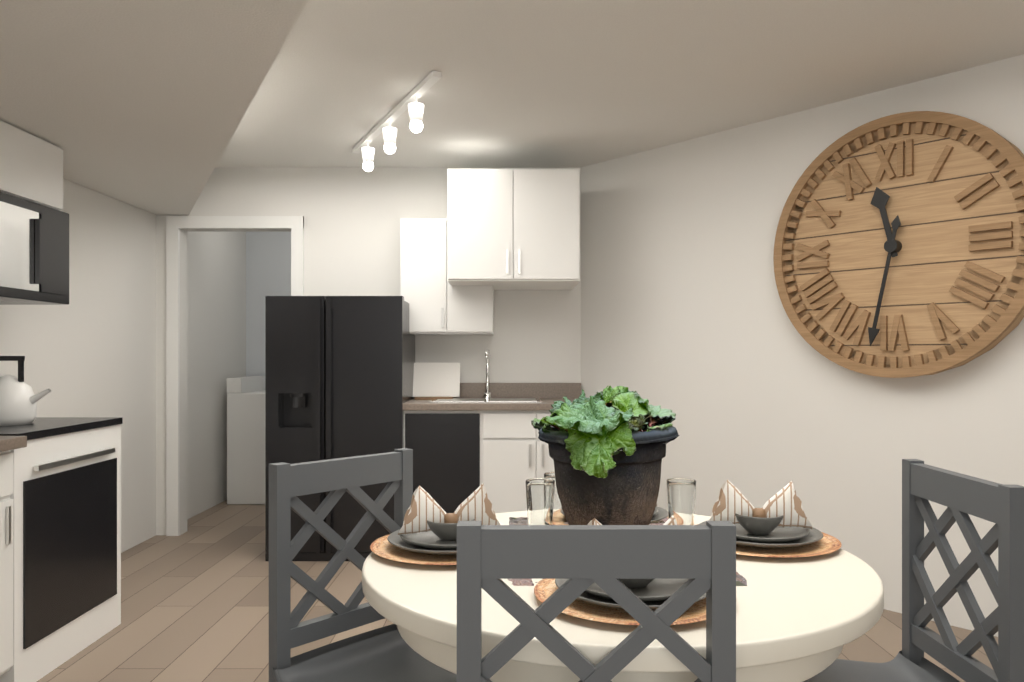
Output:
11,32
